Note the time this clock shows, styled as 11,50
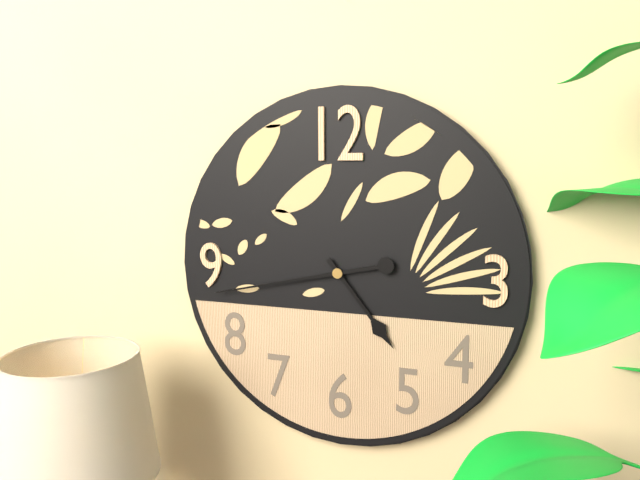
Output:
4,43
